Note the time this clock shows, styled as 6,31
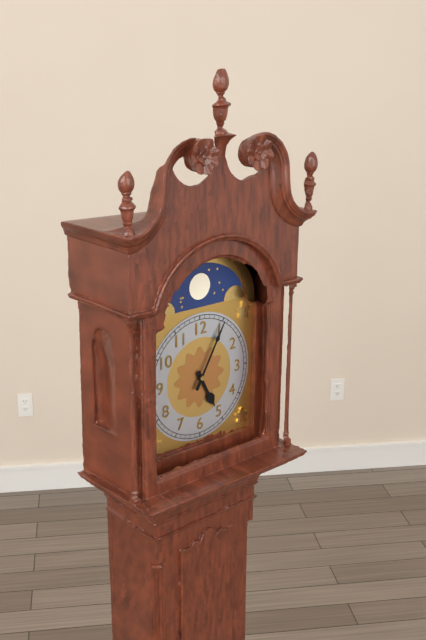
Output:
5,05
